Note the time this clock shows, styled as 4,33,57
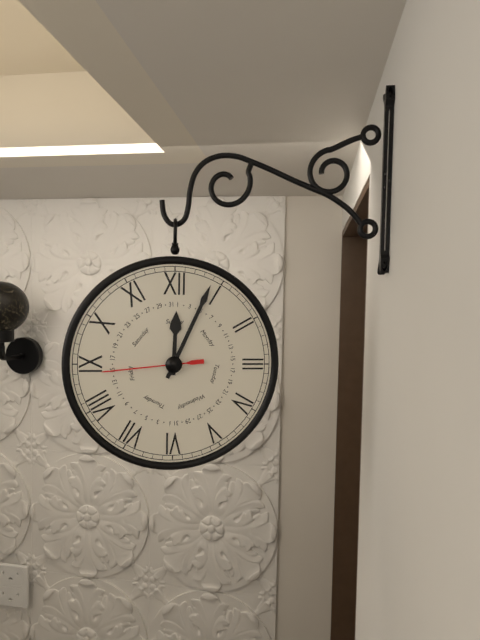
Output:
12,04,44
